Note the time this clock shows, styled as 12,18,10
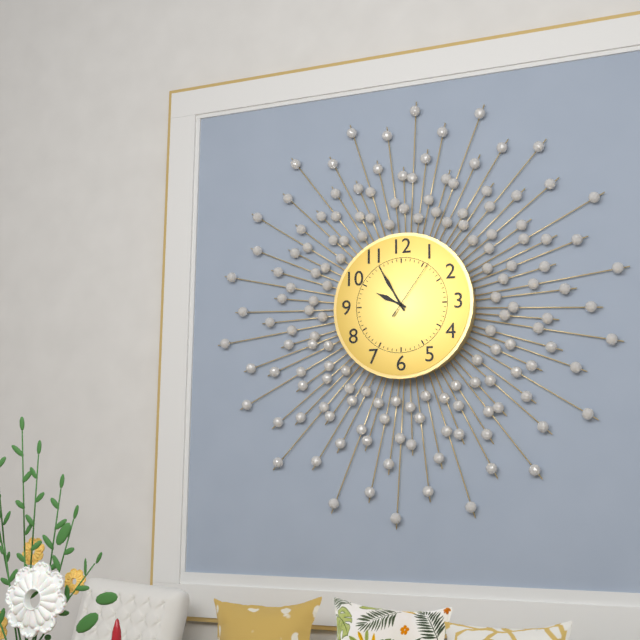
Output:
9,55,06
